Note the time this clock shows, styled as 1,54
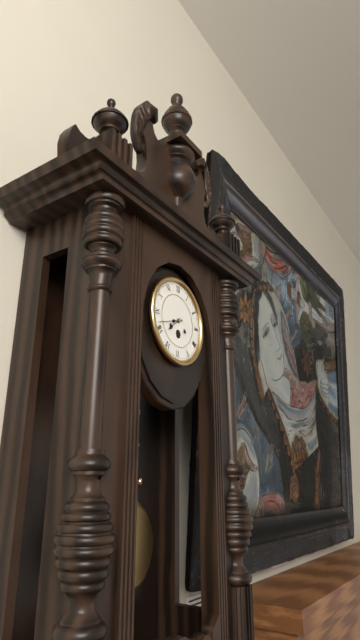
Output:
7,42
